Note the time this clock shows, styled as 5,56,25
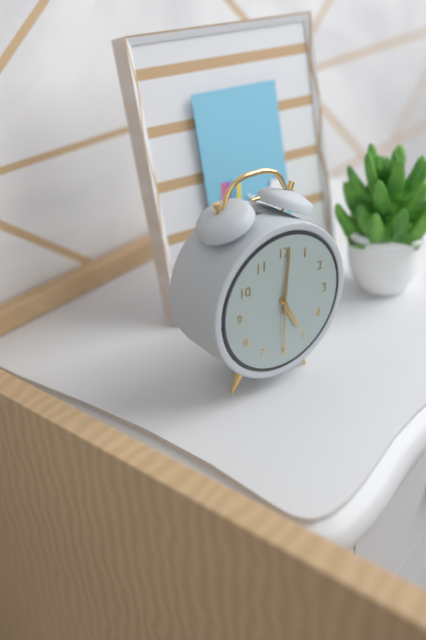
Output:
5,01,30
